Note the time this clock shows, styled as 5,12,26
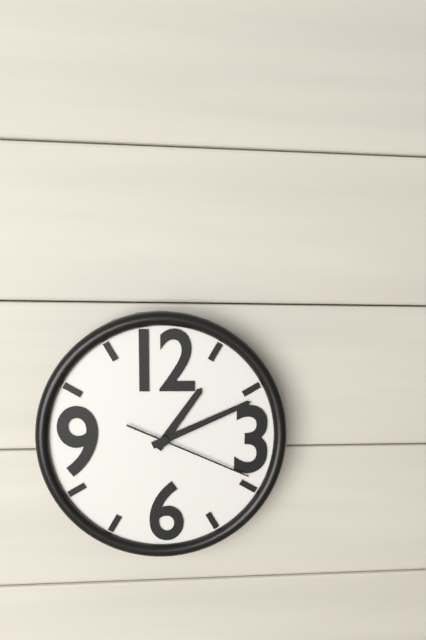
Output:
1,11,19
